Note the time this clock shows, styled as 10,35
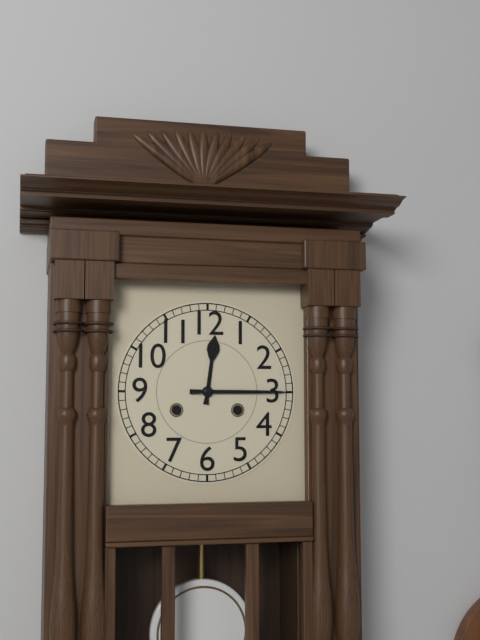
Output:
12,15
